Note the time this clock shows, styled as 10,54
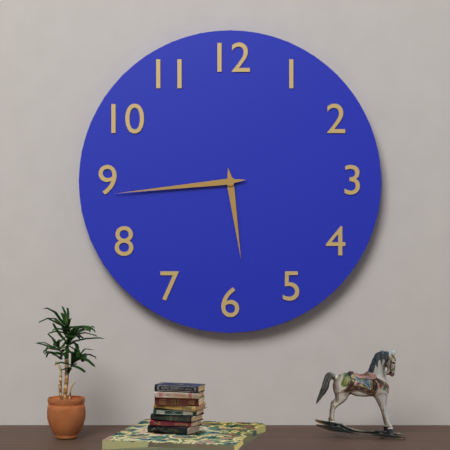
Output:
5,44
